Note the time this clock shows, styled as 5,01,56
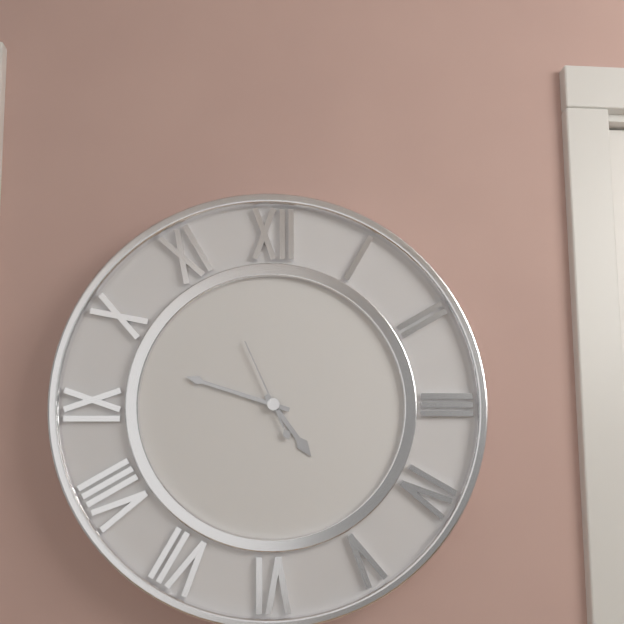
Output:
4,48,56
